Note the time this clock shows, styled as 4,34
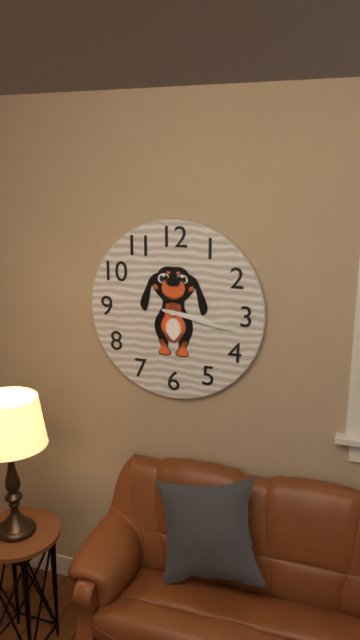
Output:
3,17
